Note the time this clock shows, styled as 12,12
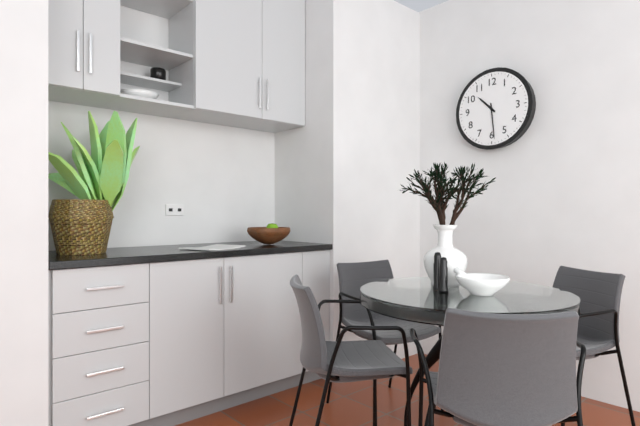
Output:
10,29
